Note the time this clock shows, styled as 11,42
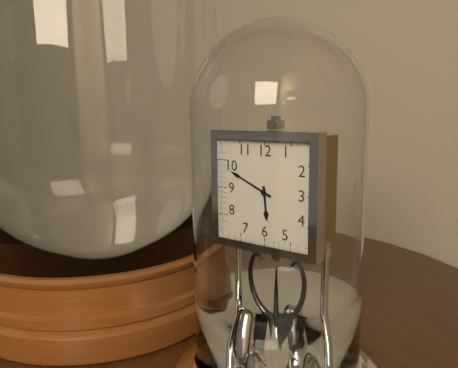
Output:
5,49
